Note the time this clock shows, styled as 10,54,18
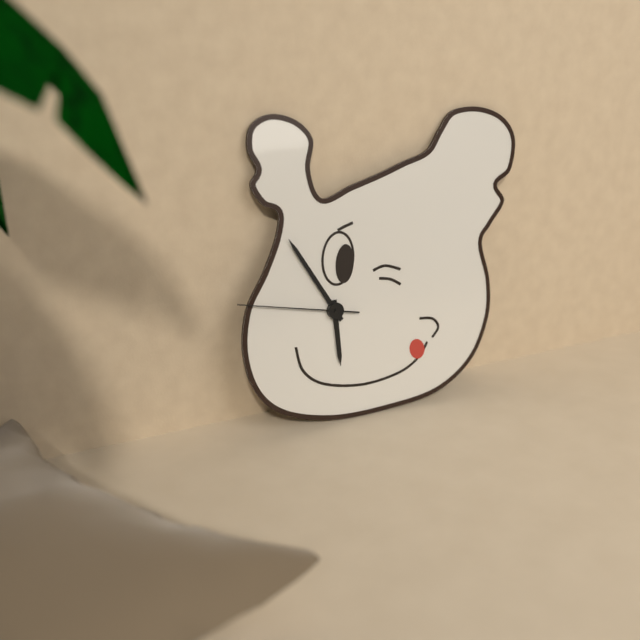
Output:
5,55,47
